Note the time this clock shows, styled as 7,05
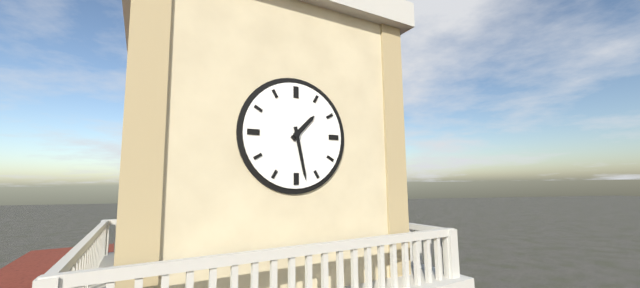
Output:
1,28
